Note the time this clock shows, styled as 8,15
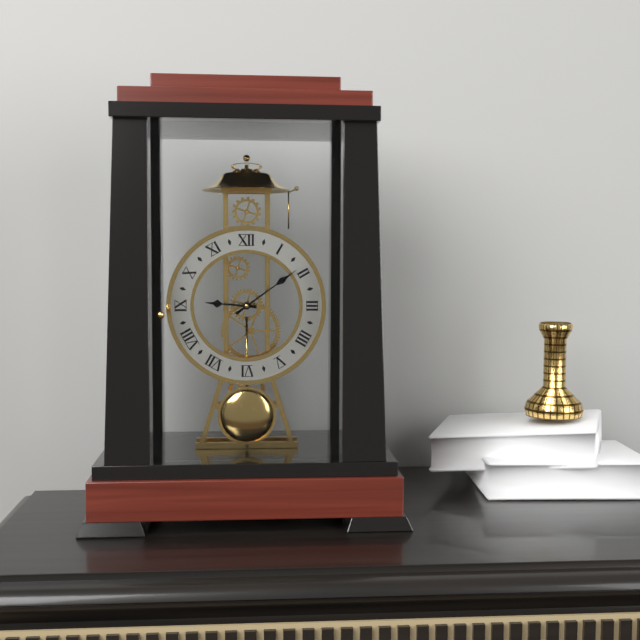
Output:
9,09
